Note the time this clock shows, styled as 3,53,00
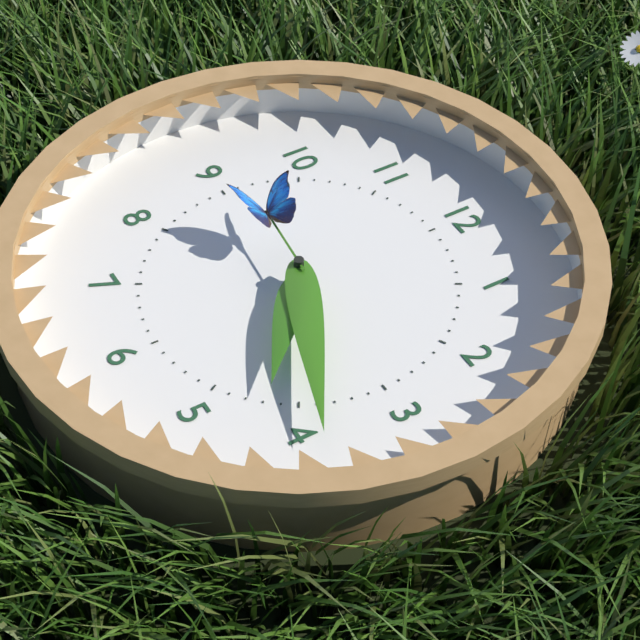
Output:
4,19,46
